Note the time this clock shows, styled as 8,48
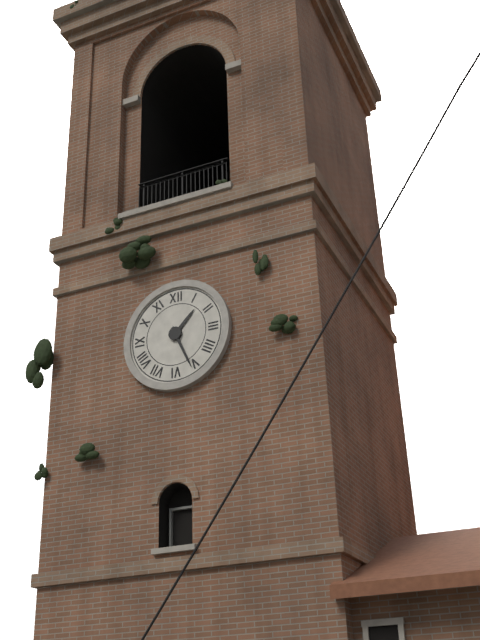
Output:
1,26
